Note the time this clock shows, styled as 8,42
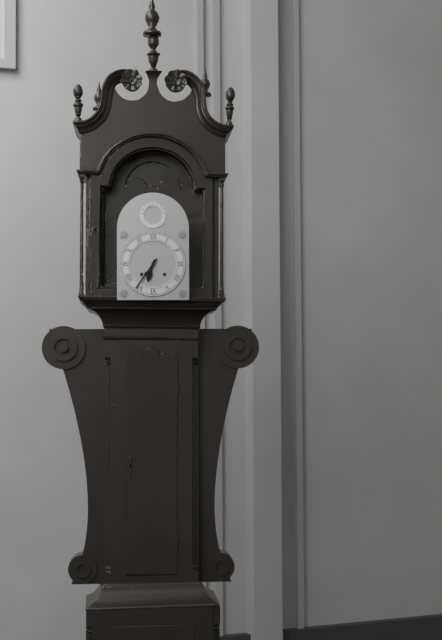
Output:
6,36
